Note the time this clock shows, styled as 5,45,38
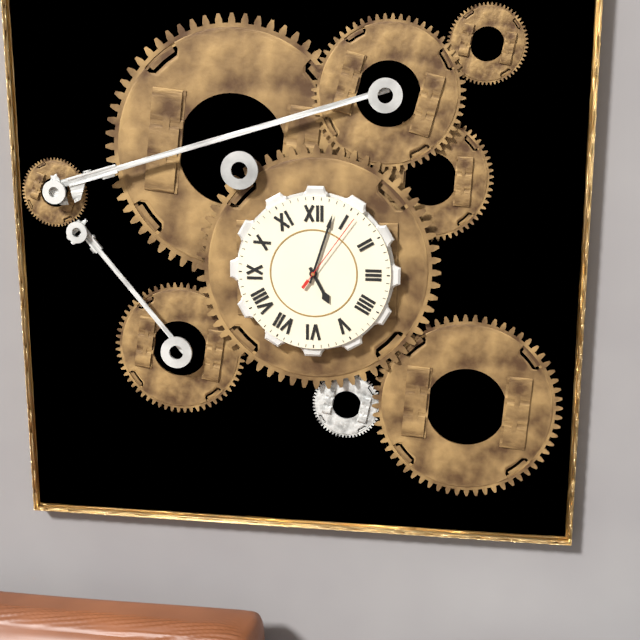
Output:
5,03,06
